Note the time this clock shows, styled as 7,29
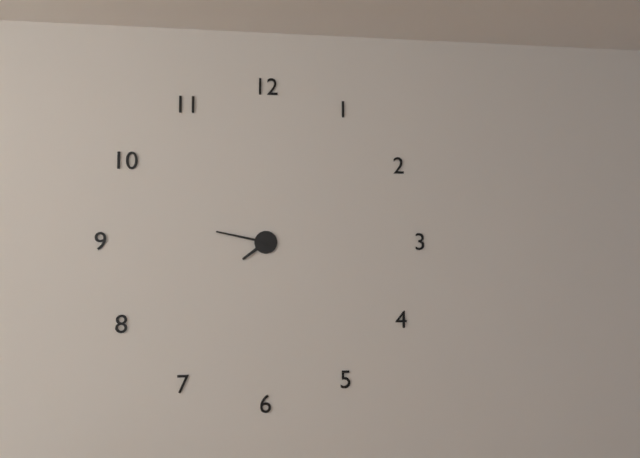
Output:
7,47
